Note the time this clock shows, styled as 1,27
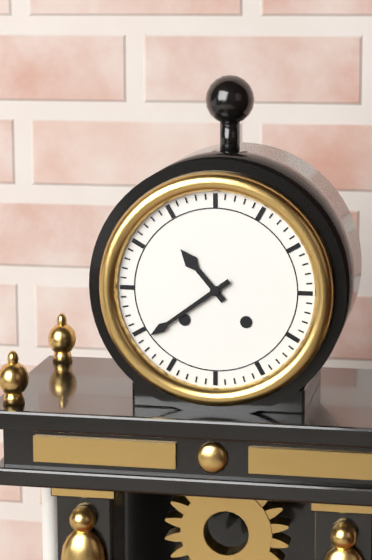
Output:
10,39
